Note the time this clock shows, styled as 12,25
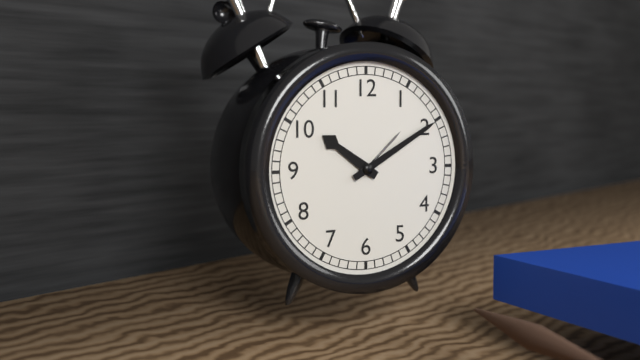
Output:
10,10
